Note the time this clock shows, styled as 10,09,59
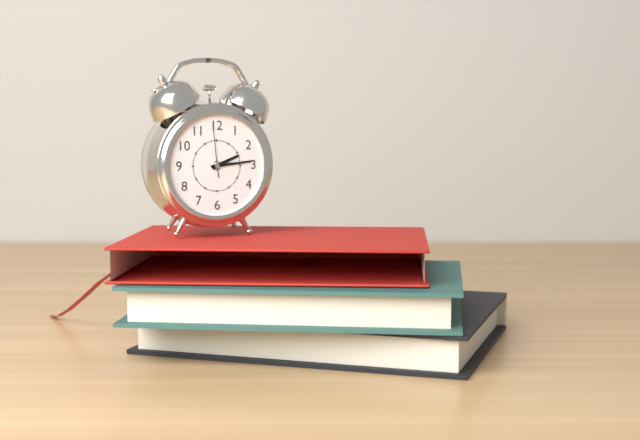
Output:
2,14,59
